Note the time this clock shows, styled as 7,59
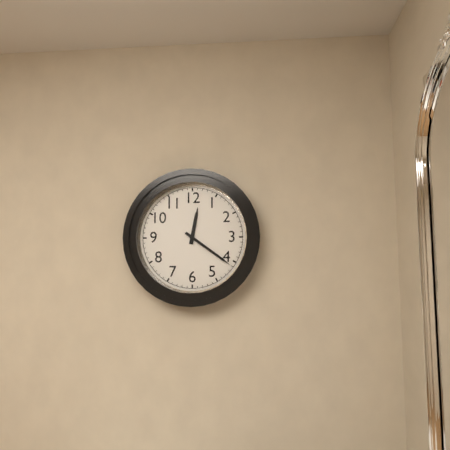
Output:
12,21
